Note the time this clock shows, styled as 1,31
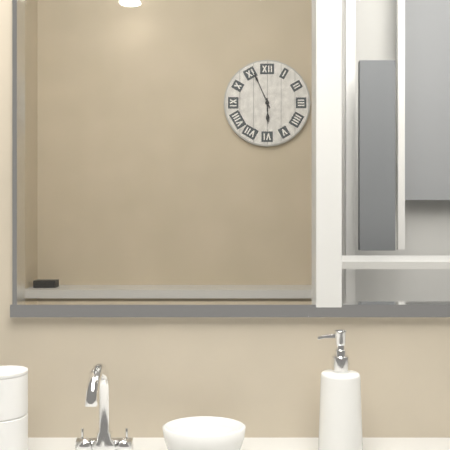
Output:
5,56
